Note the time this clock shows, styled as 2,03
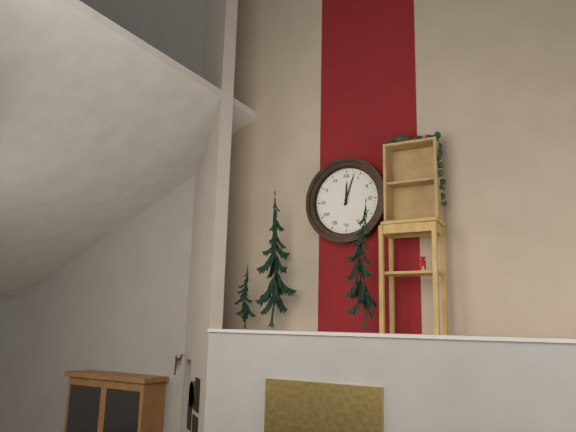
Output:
12,03
